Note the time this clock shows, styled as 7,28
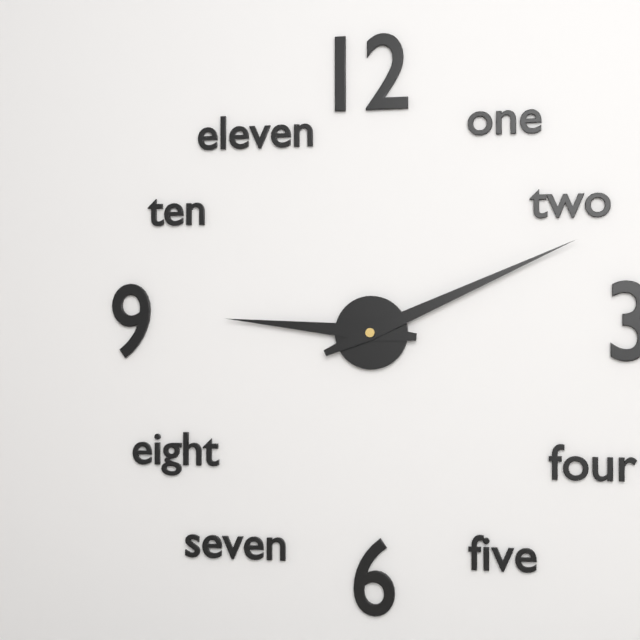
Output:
9,11
